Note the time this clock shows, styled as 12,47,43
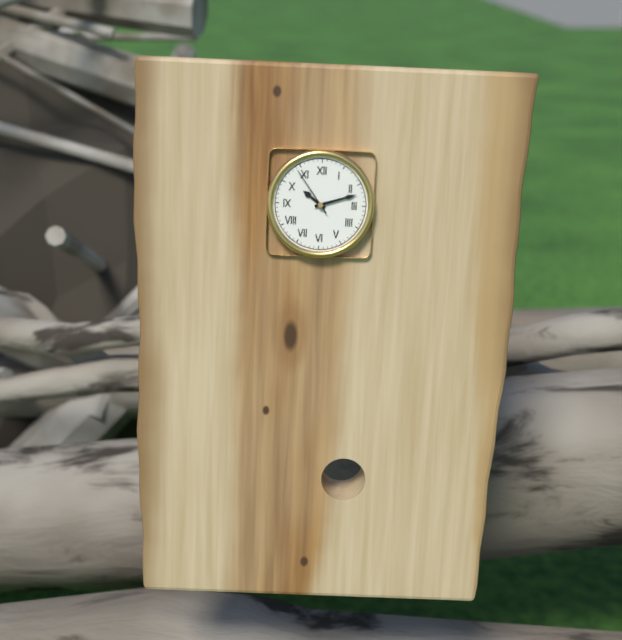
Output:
10,12,54
